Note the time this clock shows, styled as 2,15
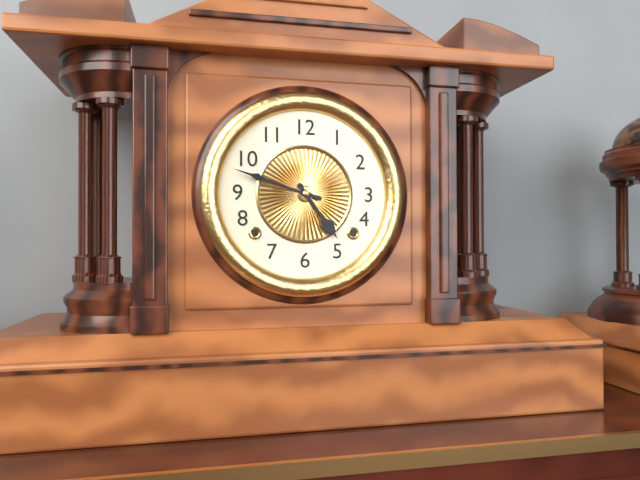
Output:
4,48
